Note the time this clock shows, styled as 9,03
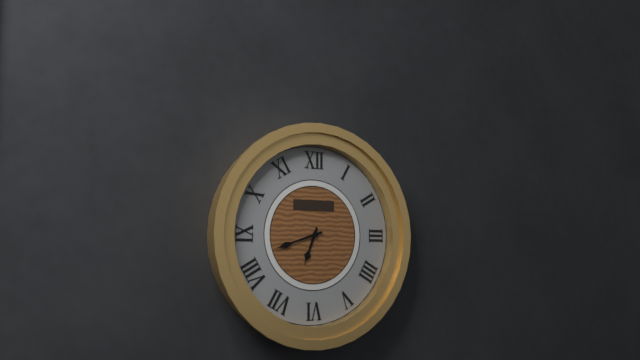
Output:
6,42
